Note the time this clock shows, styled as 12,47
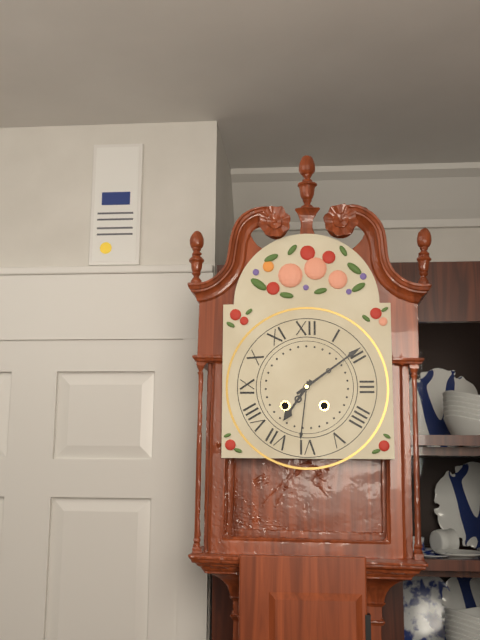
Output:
7,09
